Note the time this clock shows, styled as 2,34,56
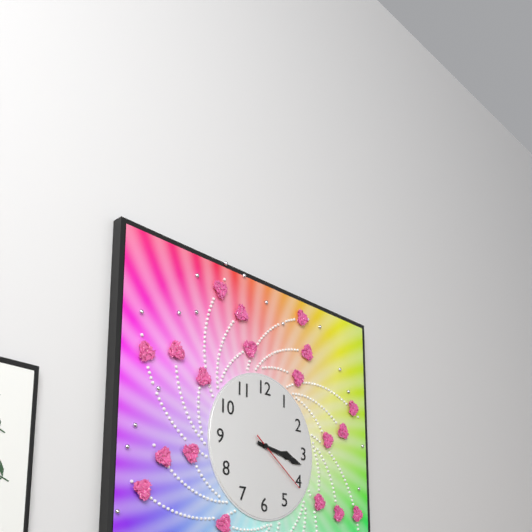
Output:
3,17,21
